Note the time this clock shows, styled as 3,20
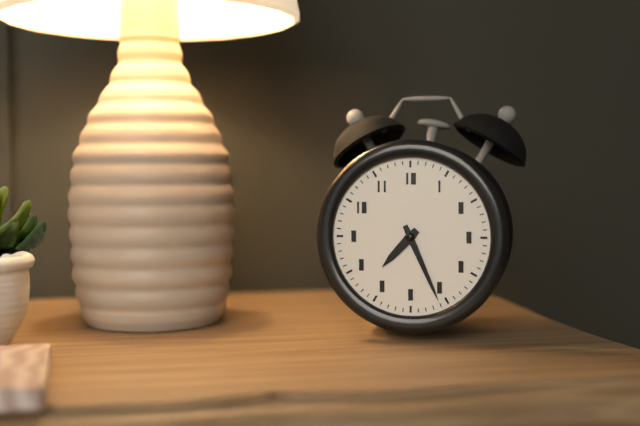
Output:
7,26
